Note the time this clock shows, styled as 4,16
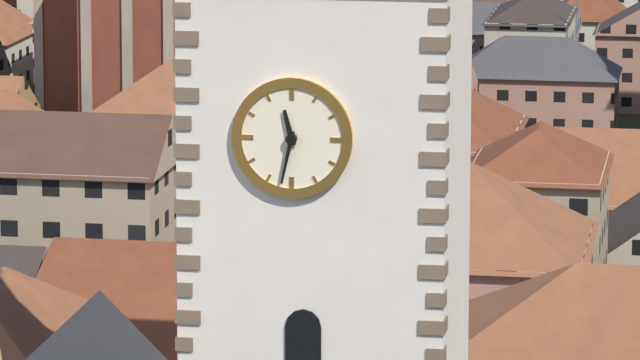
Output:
11,32
